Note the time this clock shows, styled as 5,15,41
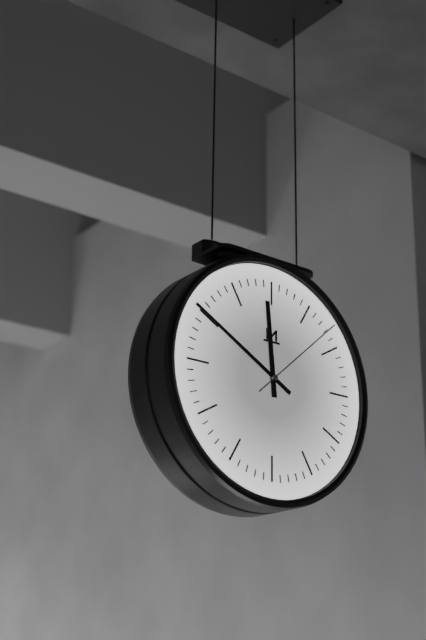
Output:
11,50,08
